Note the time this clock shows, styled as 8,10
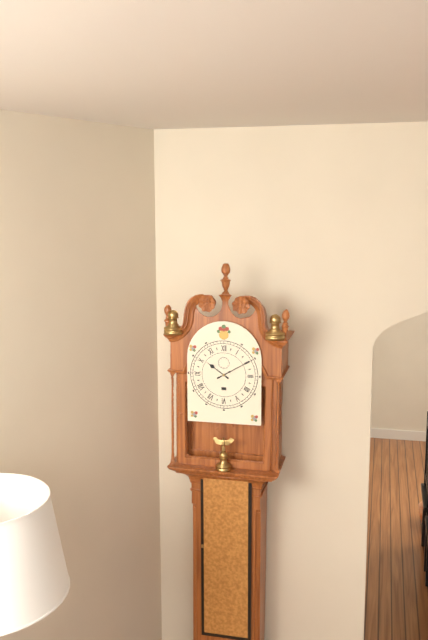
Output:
10,10
